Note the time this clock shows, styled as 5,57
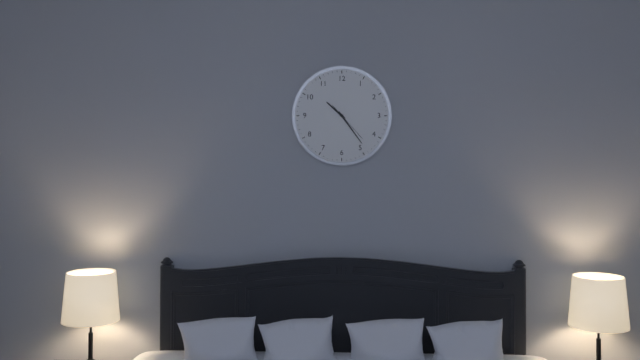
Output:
10,24
